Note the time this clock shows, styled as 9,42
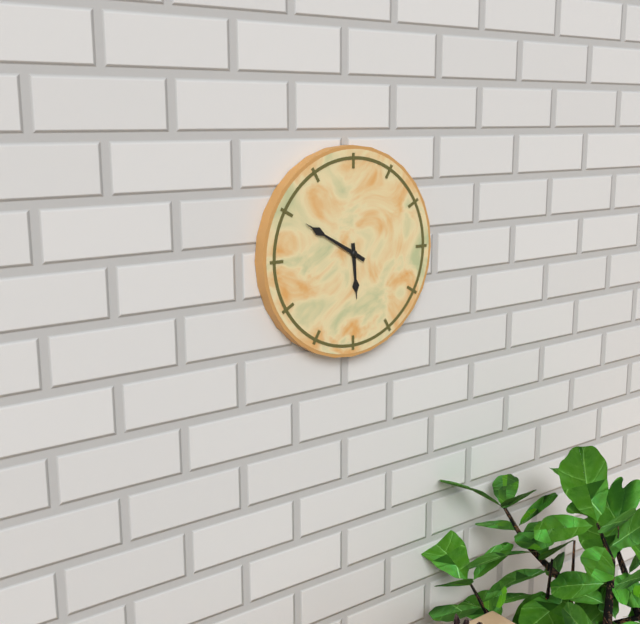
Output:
5,50
